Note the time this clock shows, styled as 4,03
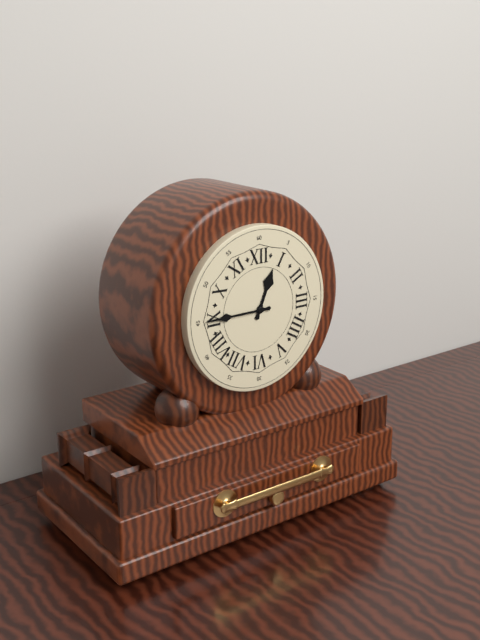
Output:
12,45
